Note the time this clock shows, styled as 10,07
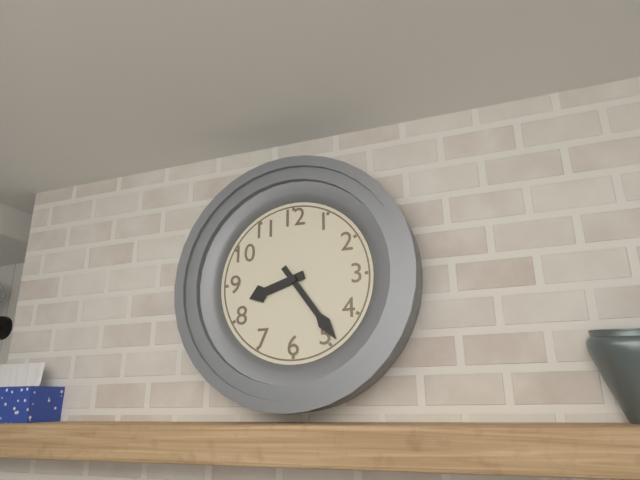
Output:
8,24
